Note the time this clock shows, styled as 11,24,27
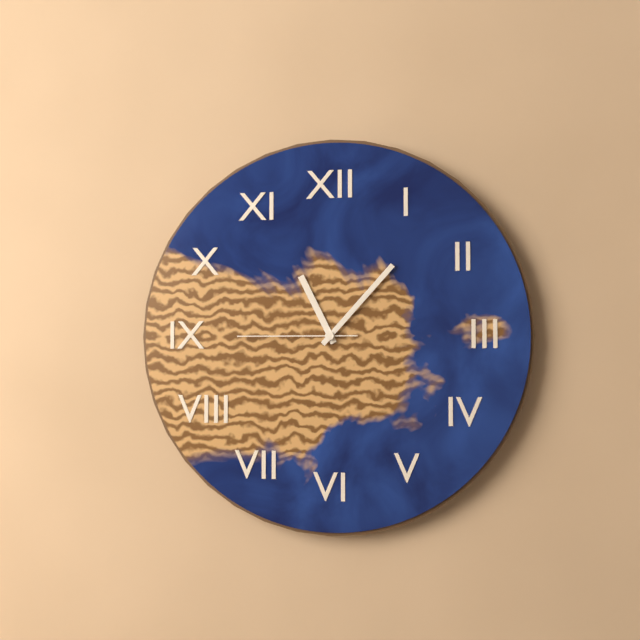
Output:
11,07,45
